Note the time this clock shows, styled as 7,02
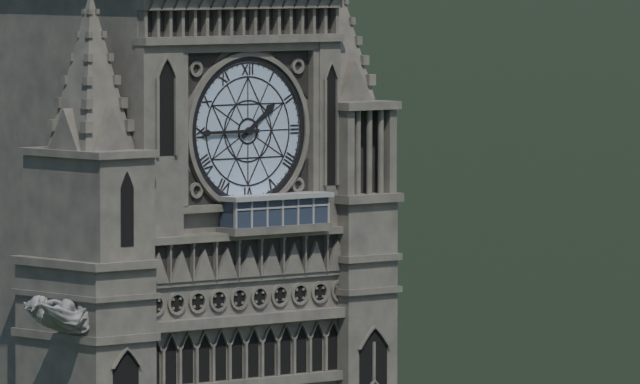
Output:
1,45
